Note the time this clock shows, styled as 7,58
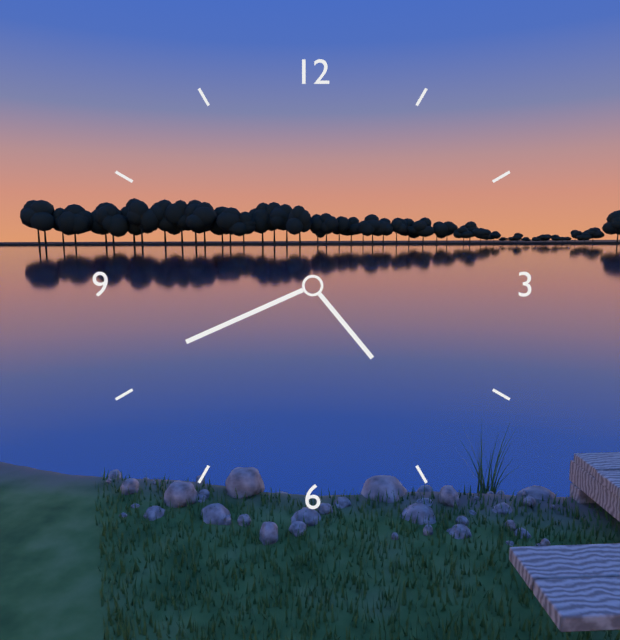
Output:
4,41
